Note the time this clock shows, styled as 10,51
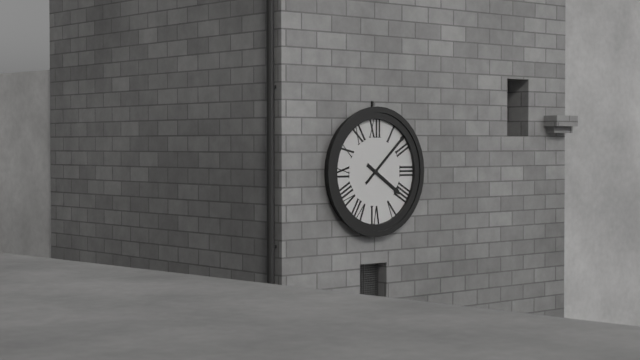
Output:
4,08
